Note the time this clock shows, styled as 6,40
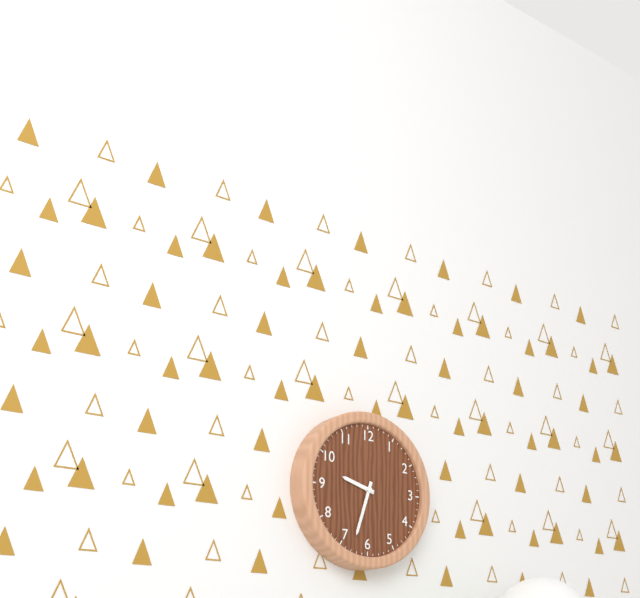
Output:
9,33
